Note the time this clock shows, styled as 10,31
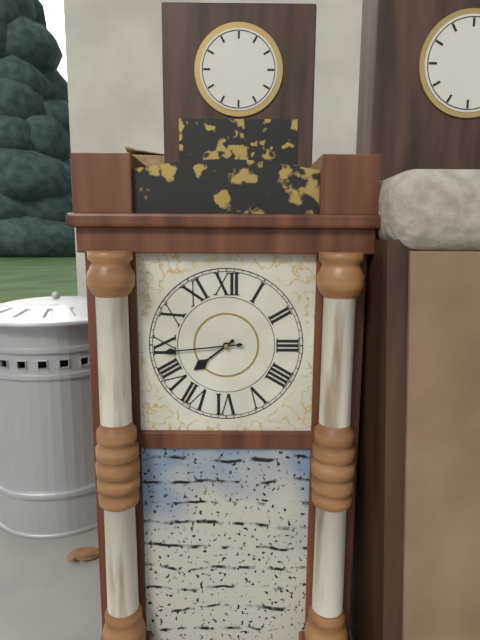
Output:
7,44
